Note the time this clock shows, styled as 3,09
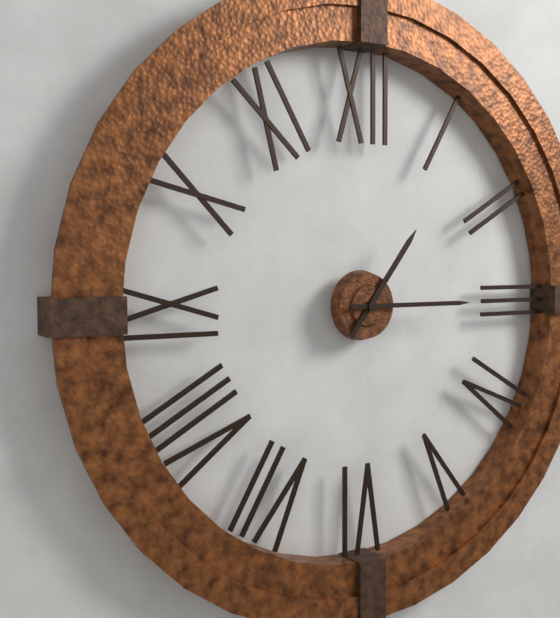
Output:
1,15
